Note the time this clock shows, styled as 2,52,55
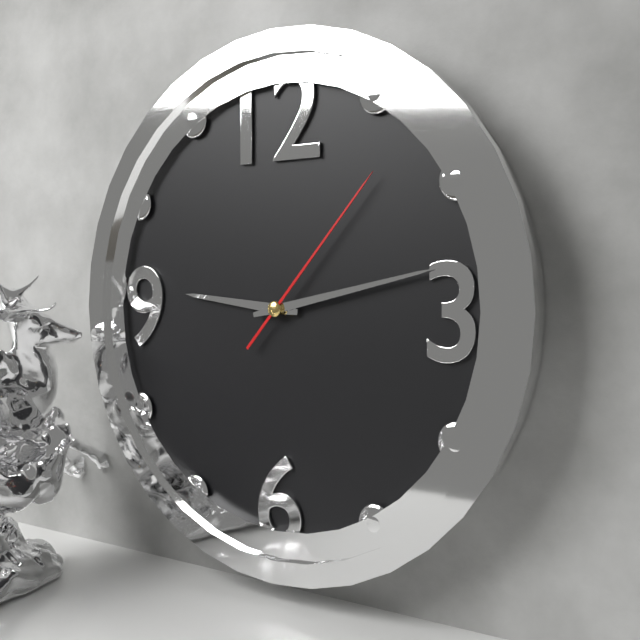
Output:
9,13,07
